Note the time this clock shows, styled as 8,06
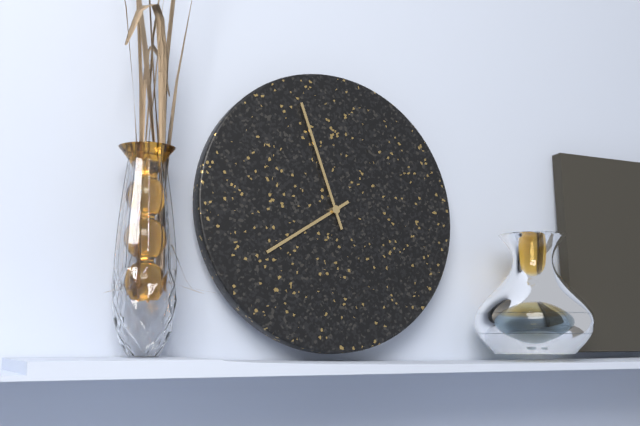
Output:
7,57
